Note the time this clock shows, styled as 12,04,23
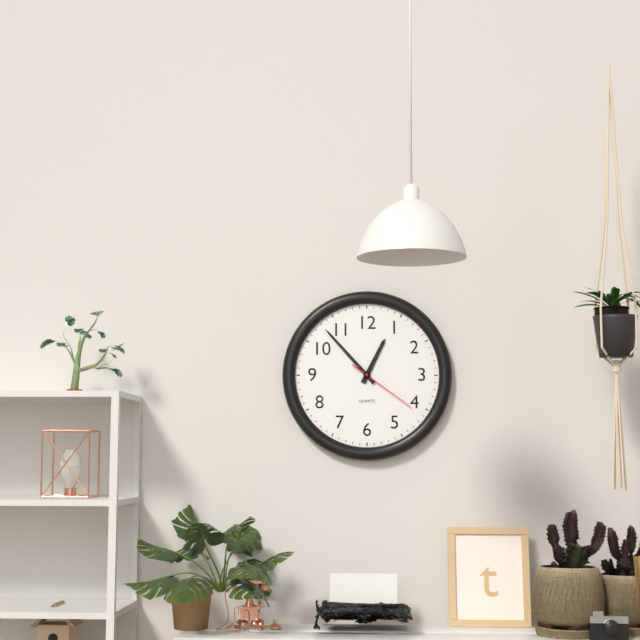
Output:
12,53,21
